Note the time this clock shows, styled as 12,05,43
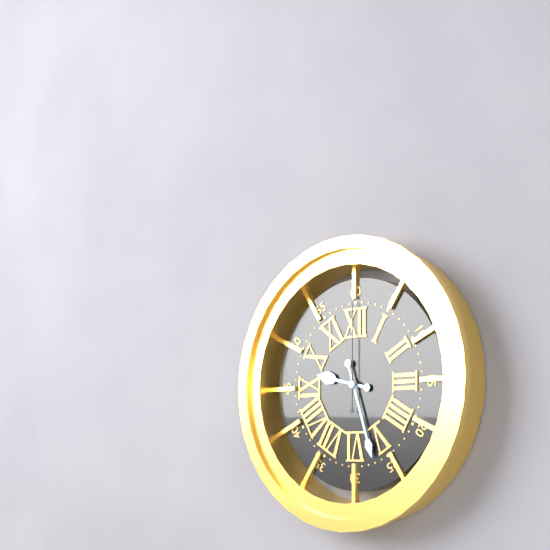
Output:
9,27,00
